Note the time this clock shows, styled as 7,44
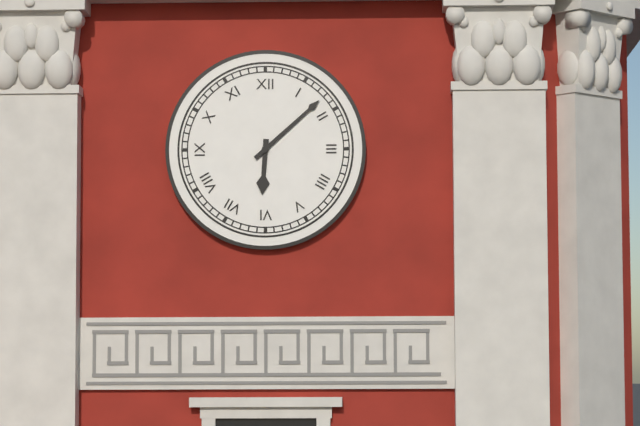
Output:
6,08
